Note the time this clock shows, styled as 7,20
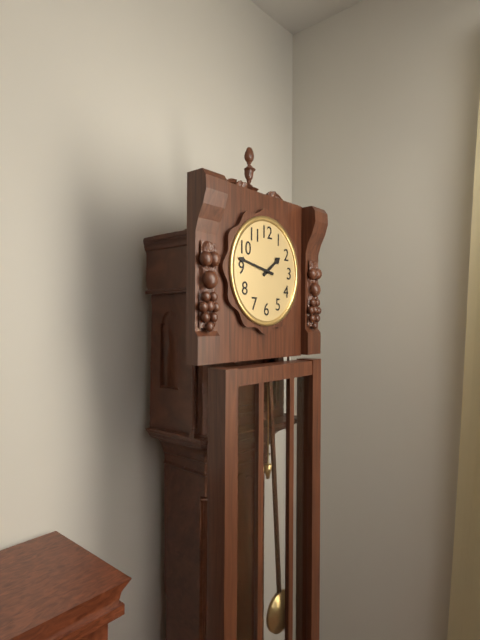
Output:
1,47
